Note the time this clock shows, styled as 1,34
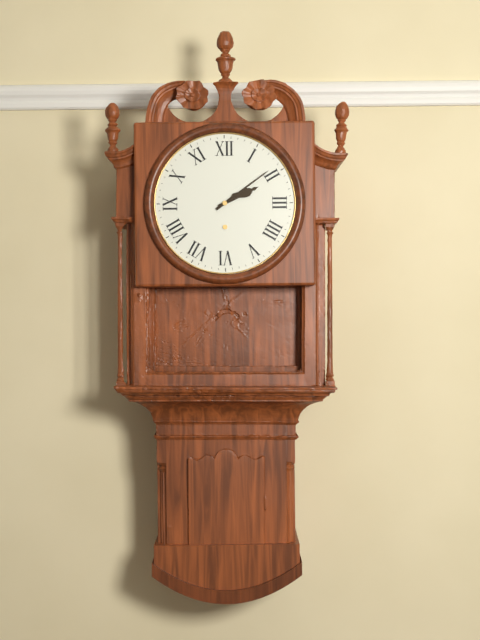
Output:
2,09
